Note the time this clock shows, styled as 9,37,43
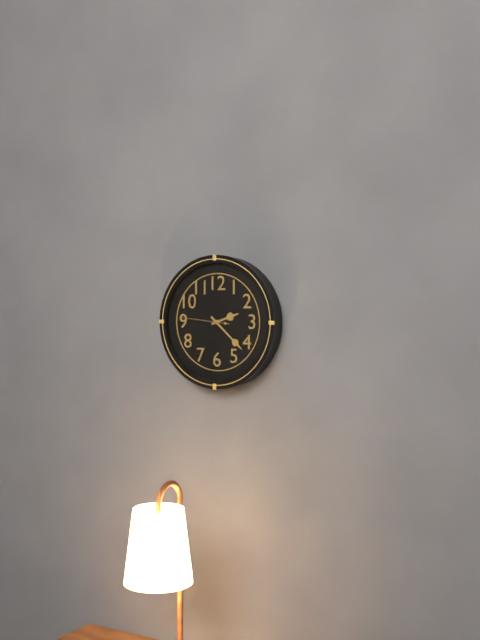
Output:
2,22,46
